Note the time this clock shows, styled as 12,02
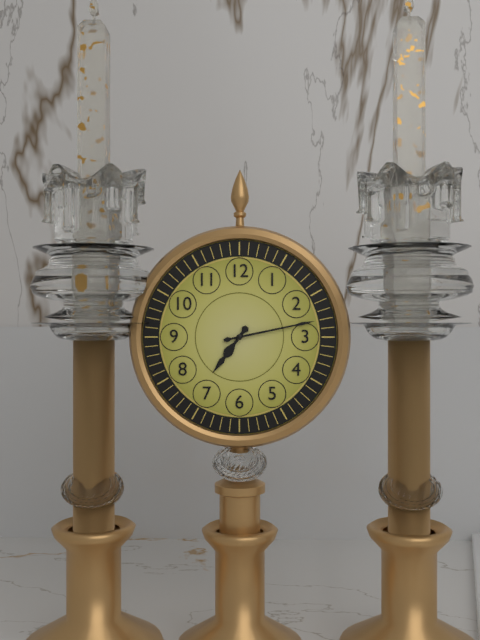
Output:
7,13
